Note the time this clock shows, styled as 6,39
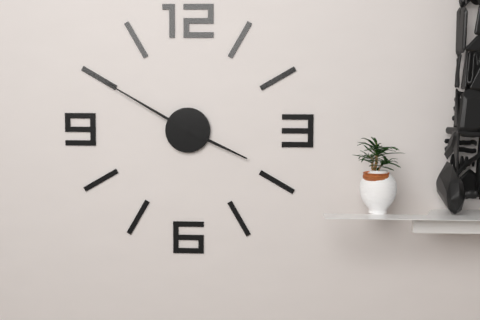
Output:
3,50
